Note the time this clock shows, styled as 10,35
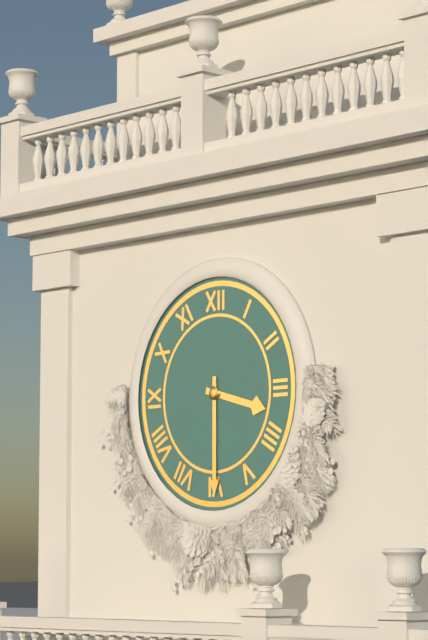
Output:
3,30
